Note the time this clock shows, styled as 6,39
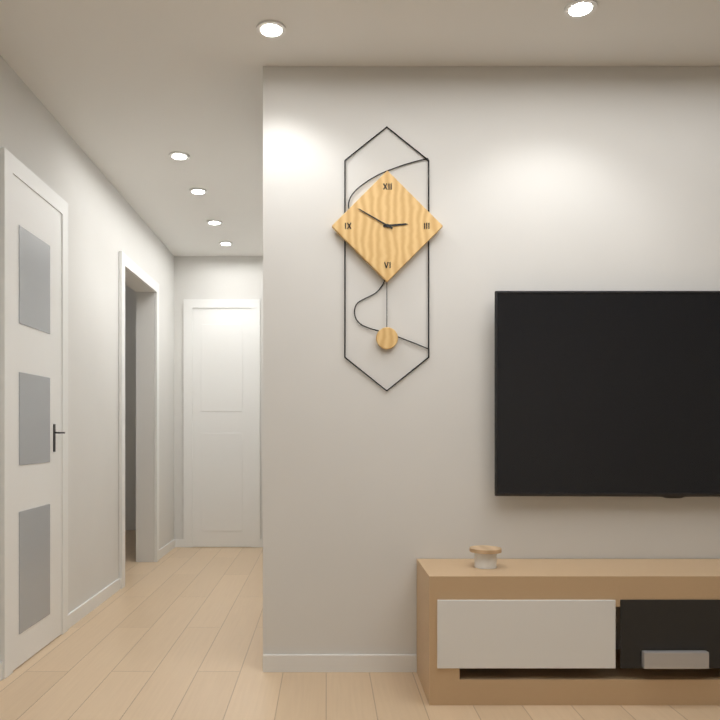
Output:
2,50
